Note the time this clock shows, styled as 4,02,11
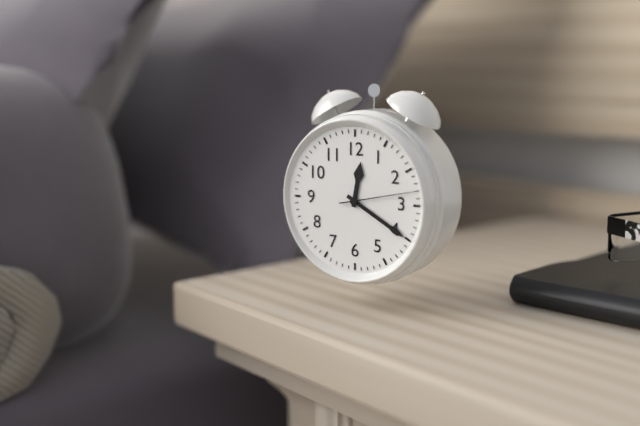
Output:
12,20,13
